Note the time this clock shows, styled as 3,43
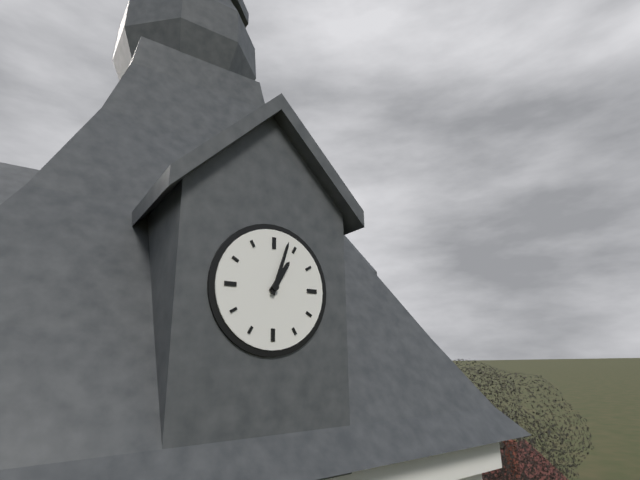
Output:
1,03
